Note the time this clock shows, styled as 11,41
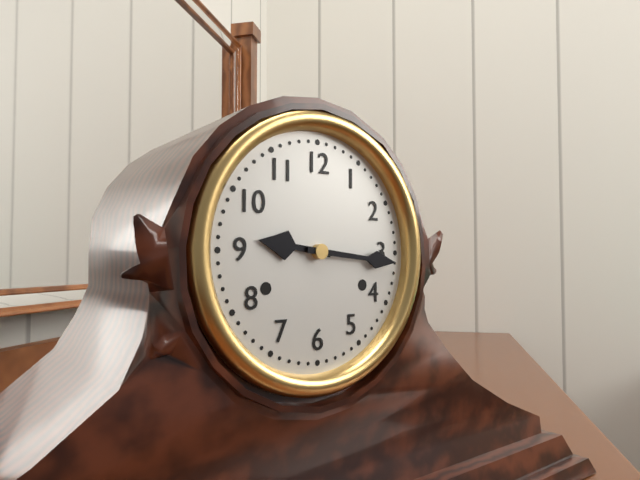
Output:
9,16
